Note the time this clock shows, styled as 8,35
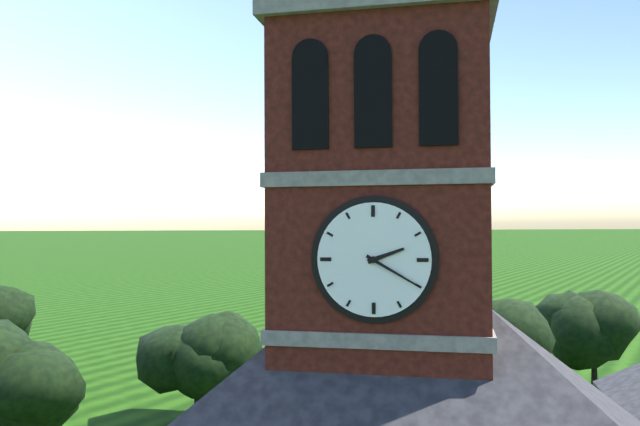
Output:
2,20
